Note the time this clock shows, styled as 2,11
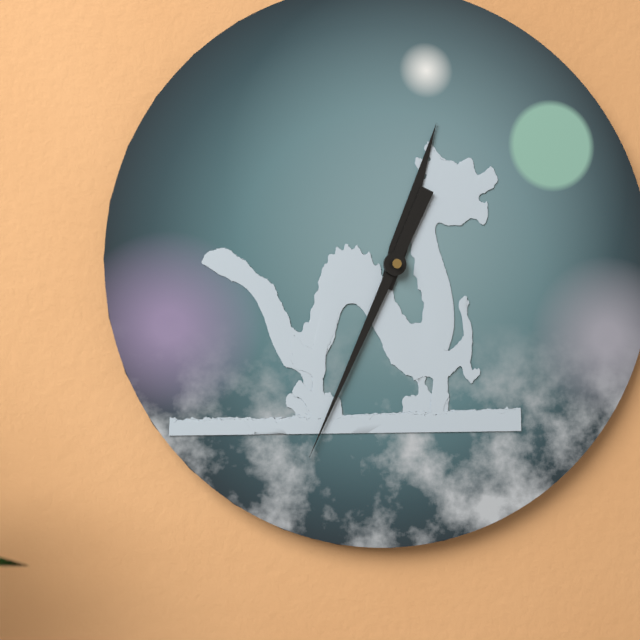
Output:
12,34
